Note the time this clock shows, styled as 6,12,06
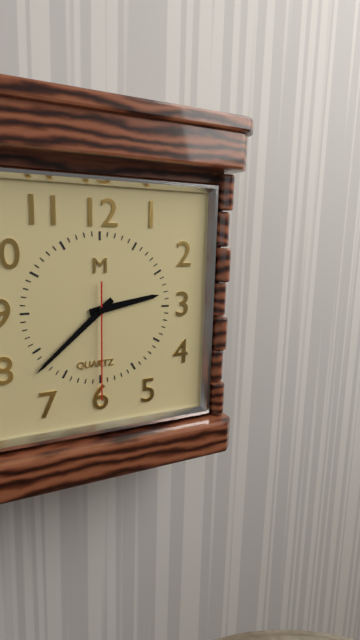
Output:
2,38,30
